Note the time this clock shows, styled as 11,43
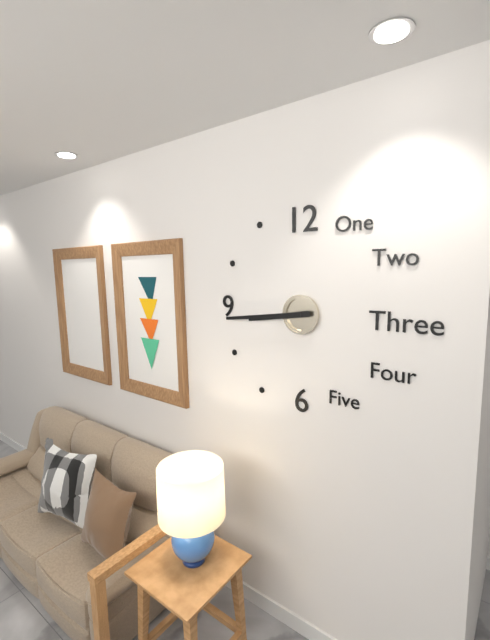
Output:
8,44
